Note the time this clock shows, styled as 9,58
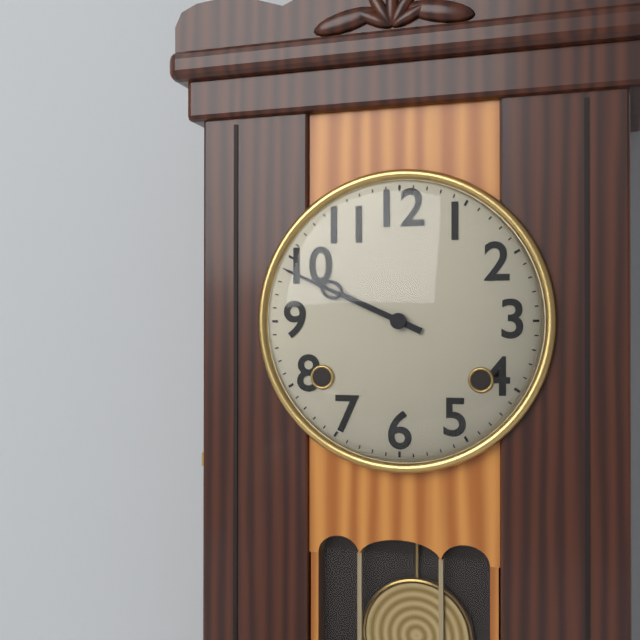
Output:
9,49
